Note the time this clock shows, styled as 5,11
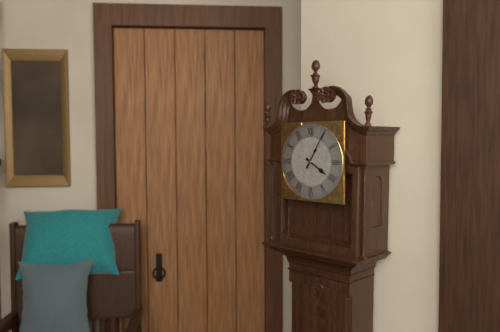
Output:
4,05
